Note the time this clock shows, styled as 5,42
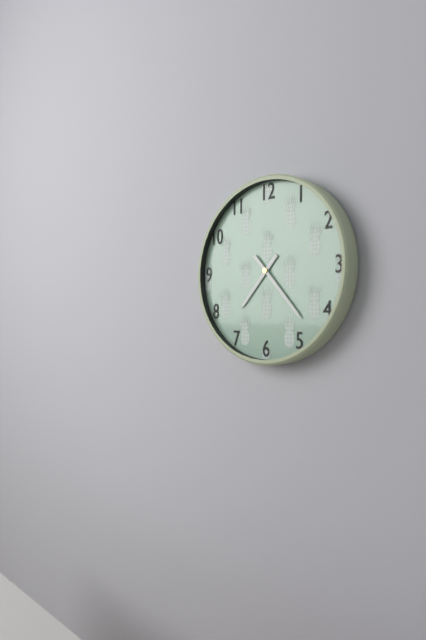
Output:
7,23
